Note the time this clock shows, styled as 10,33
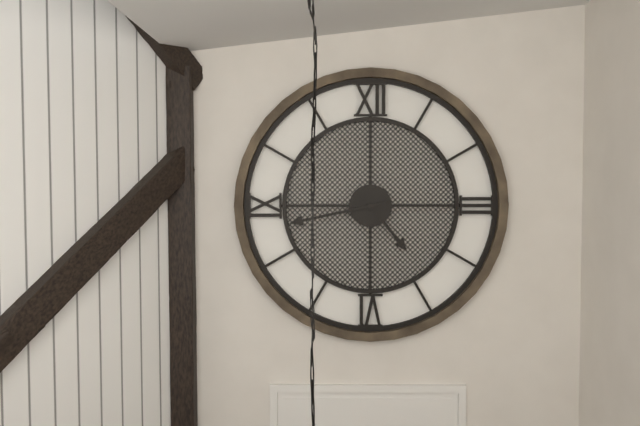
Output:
4,43
